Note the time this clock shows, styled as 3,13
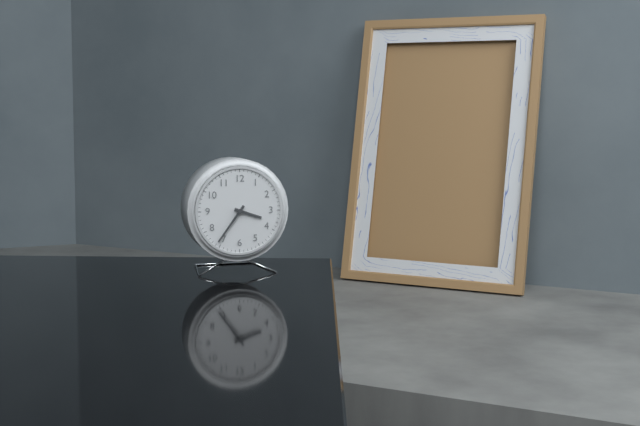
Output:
3,36
